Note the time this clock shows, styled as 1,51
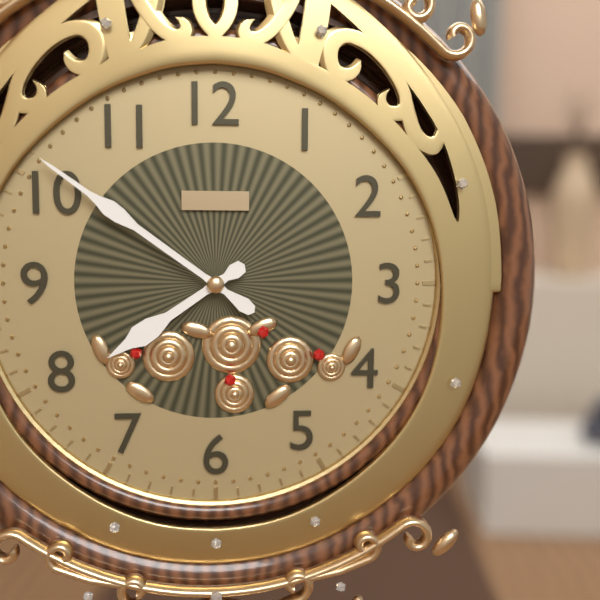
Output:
7,51
